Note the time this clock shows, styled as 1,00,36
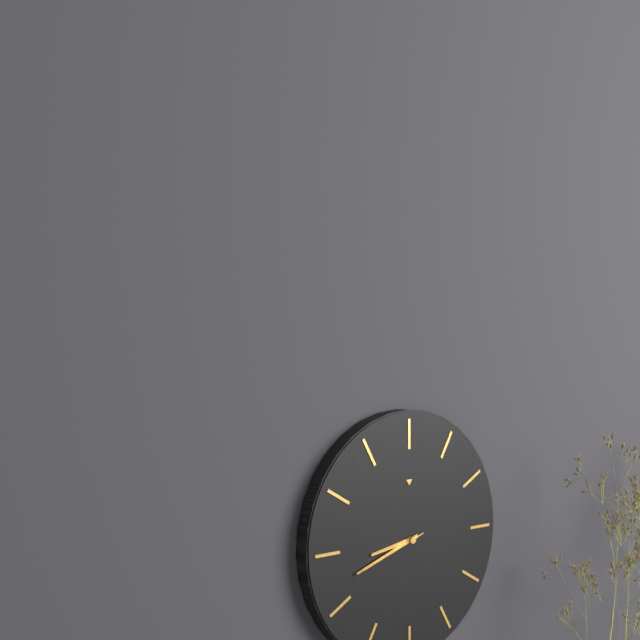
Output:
8,42,42
